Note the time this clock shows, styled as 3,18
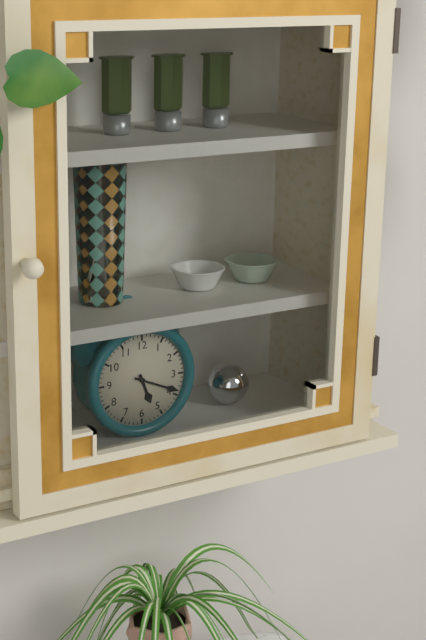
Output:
5,19
